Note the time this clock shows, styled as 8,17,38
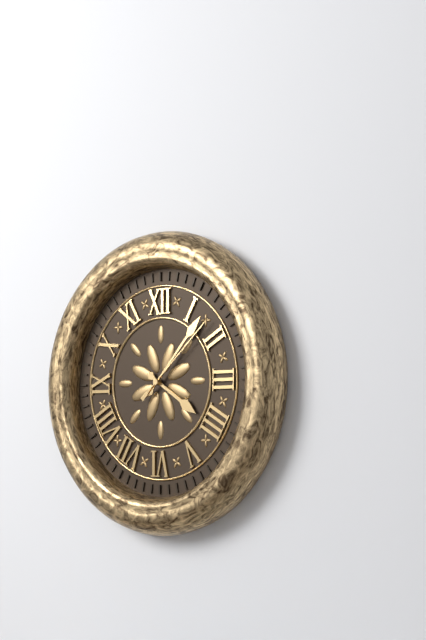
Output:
4,07,08
